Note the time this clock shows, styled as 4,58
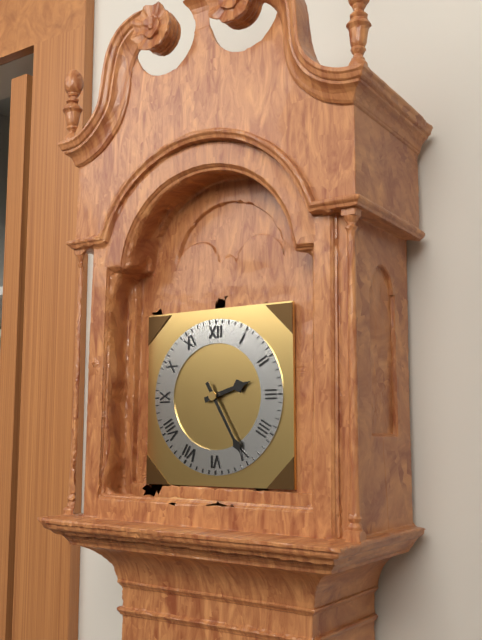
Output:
2,25
